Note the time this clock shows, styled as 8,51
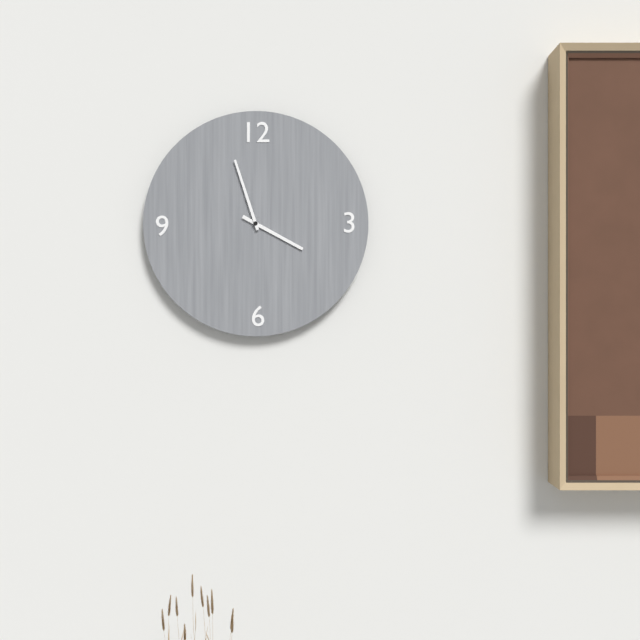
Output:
3,57
